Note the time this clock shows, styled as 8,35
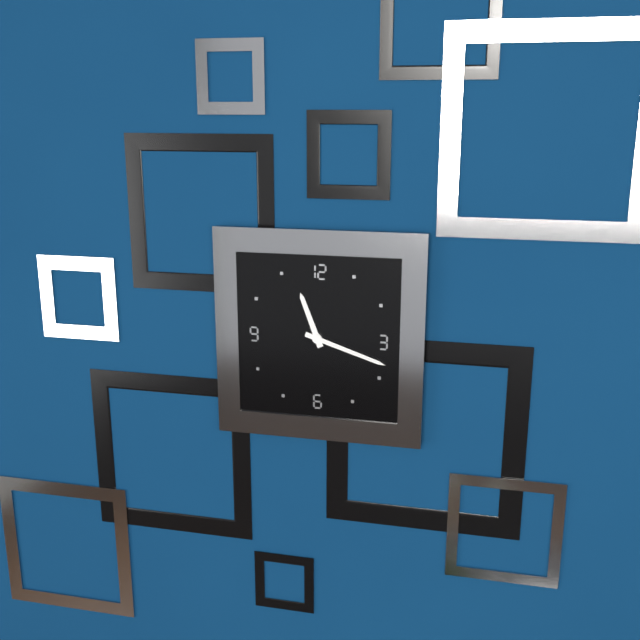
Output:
11,18
